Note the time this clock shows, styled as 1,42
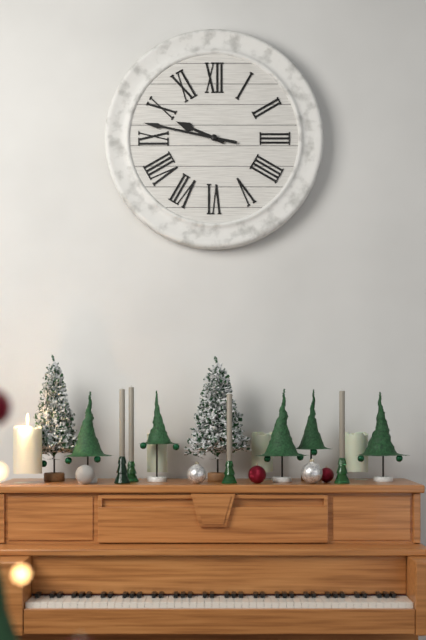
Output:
9,47
